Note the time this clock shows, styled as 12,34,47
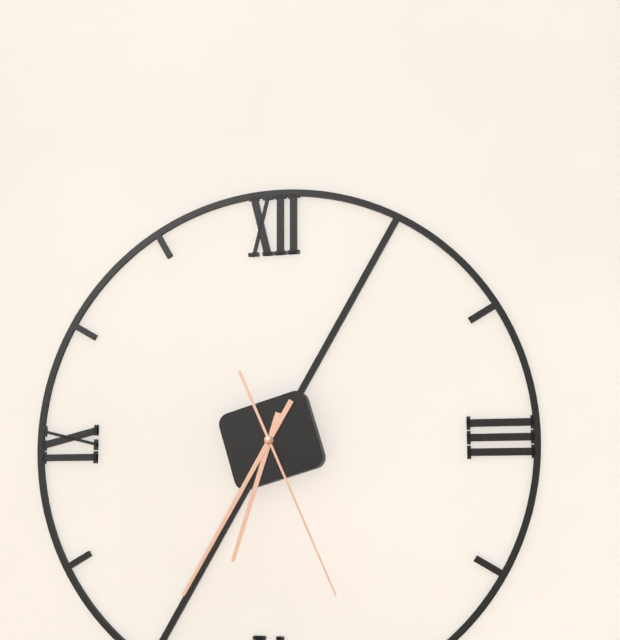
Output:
6,35,26
